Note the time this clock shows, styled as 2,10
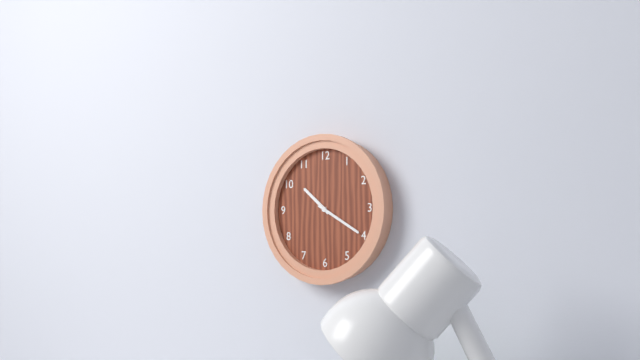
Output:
10,20
